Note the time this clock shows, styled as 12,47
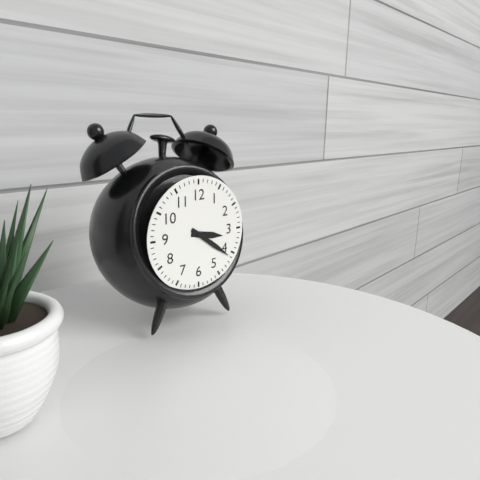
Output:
3,21
